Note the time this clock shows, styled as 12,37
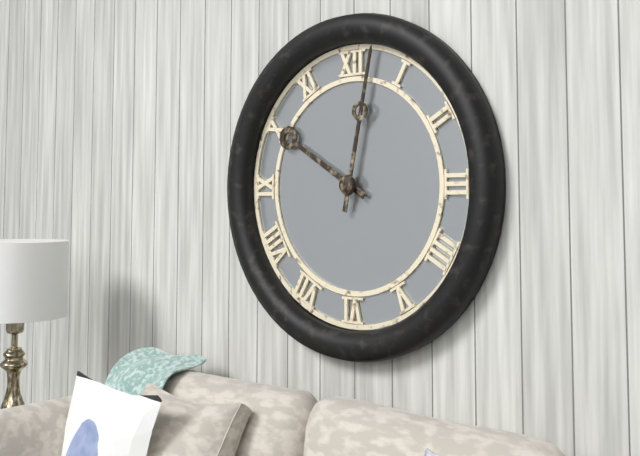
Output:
10,02
